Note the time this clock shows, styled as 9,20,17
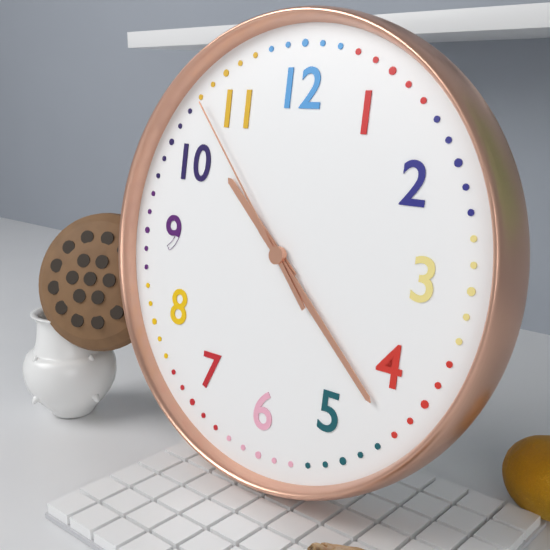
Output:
10,22,53
